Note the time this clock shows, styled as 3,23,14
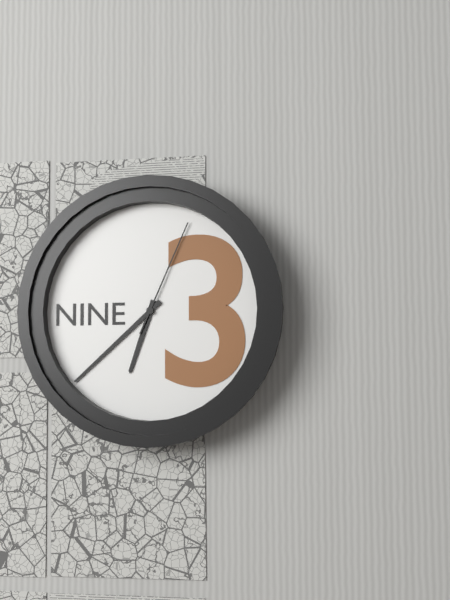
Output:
6,38,04
